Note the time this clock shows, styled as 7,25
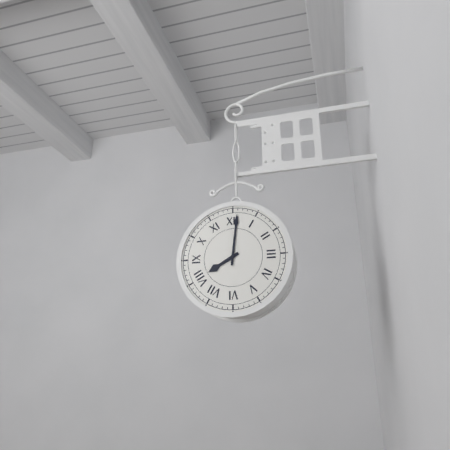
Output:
8,01
